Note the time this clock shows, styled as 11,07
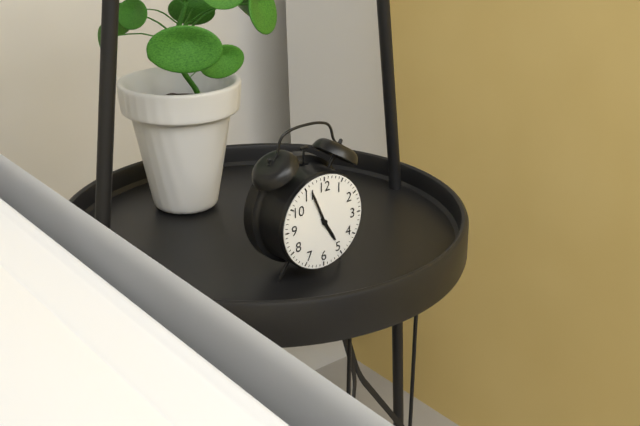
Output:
4,56
